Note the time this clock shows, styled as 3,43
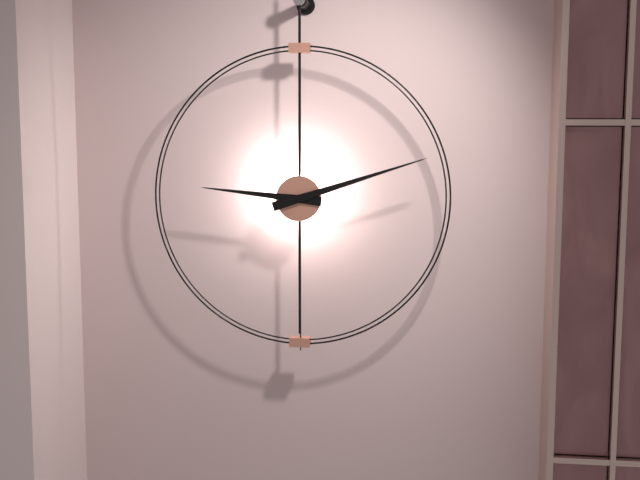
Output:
9,12
